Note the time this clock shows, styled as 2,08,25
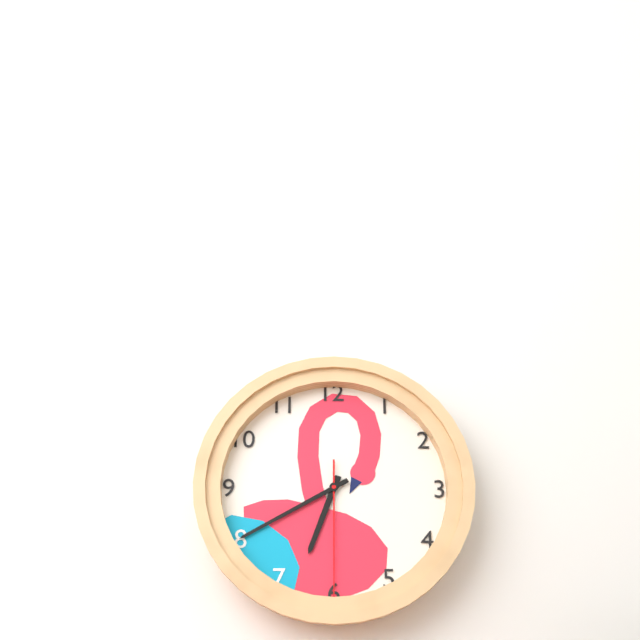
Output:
6,40,30
